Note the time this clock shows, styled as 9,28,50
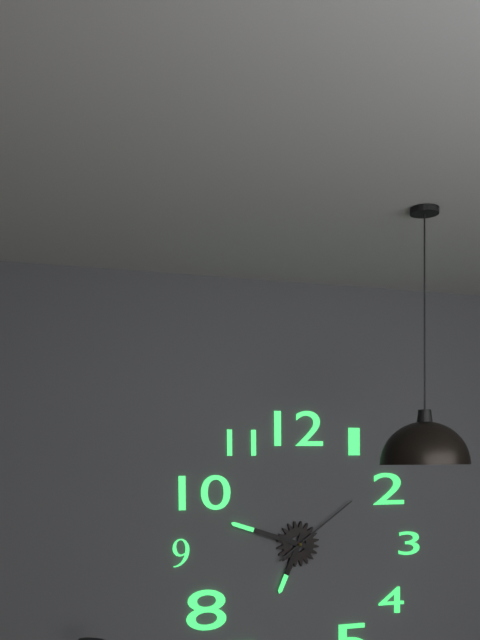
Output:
6,48,09
